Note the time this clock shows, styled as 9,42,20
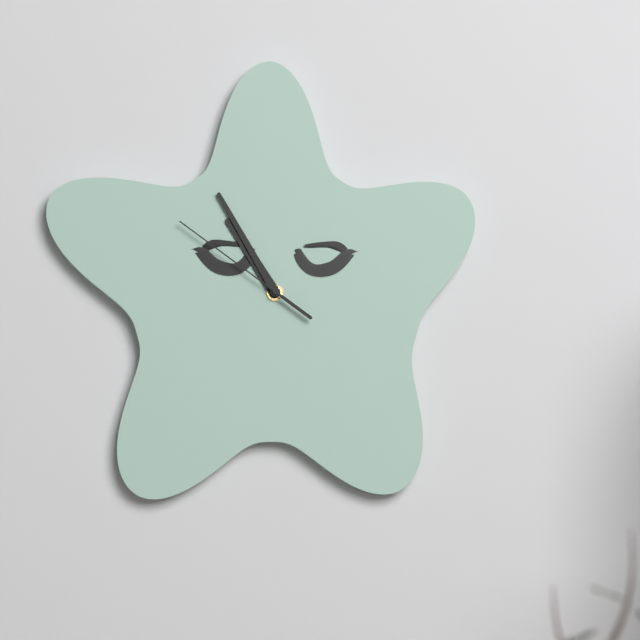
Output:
10,55,51
